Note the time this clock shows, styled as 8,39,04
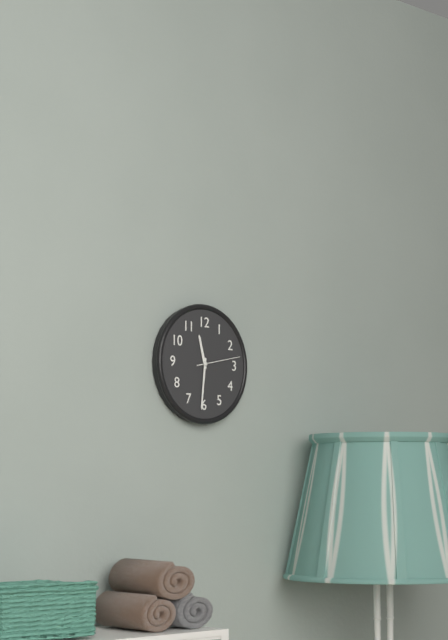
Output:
11,31,13
